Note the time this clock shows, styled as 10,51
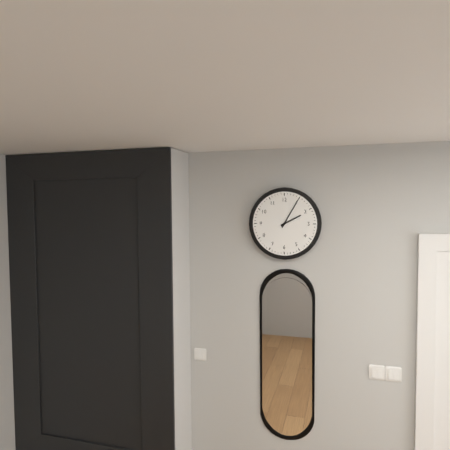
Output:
2,05
